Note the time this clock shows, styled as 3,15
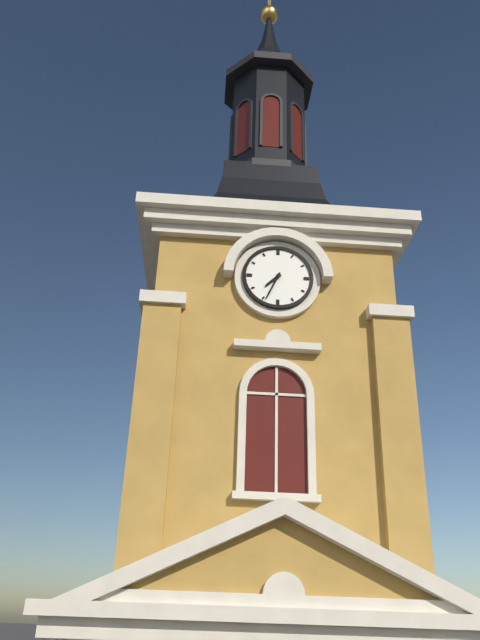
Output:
7,34
